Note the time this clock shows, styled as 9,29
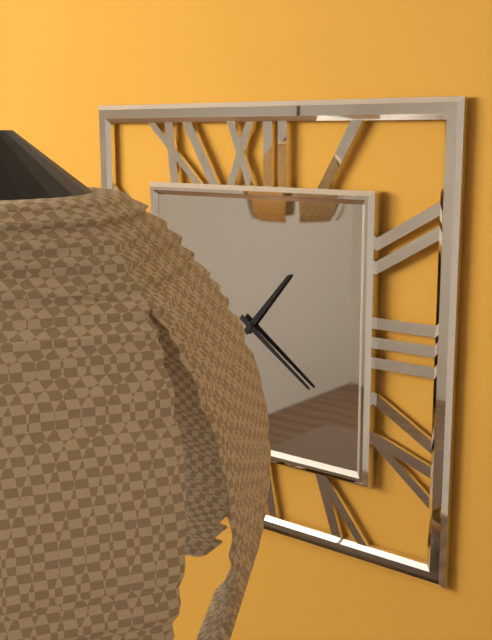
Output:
1,21
